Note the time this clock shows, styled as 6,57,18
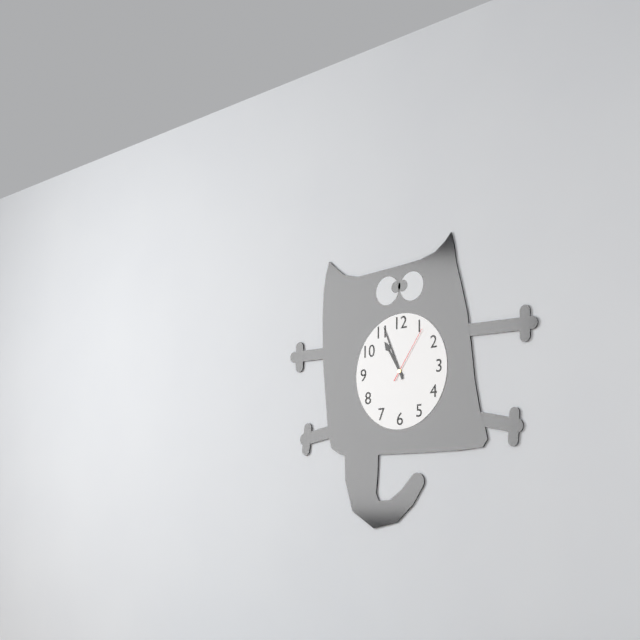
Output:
10,56,06
